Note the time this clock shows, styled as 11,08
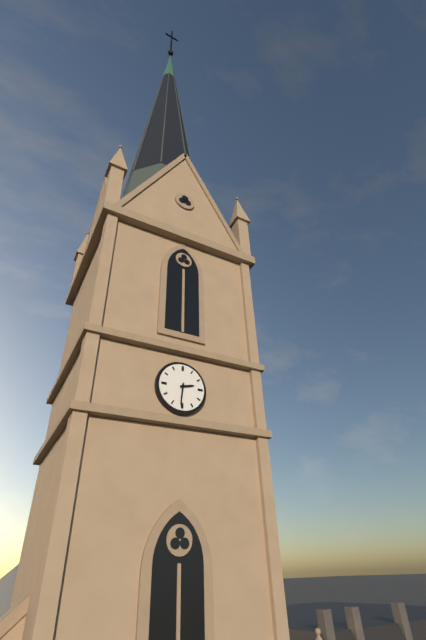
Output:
2,31
